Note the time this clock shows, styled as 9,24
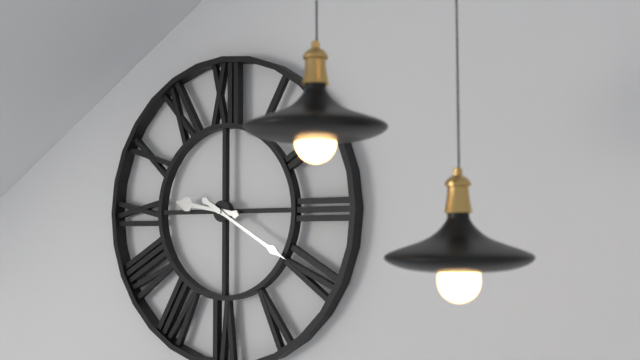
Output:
9,20
